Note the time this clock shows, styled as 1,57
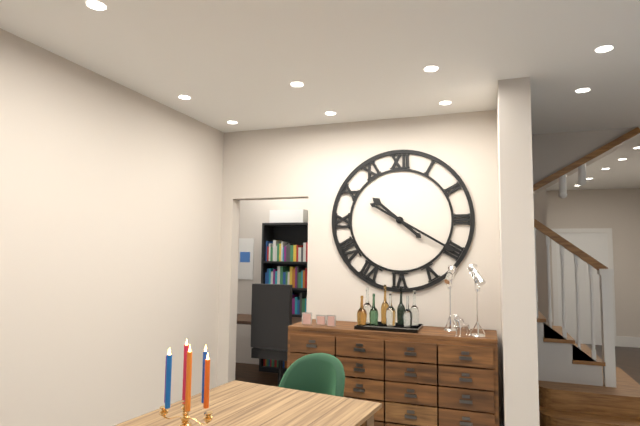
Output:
10,20
